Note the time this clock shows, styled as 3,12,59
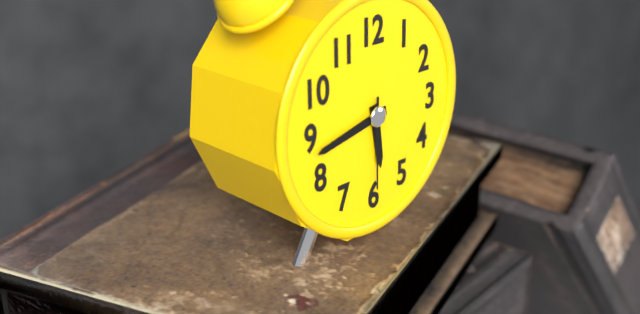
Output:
5,43,30
